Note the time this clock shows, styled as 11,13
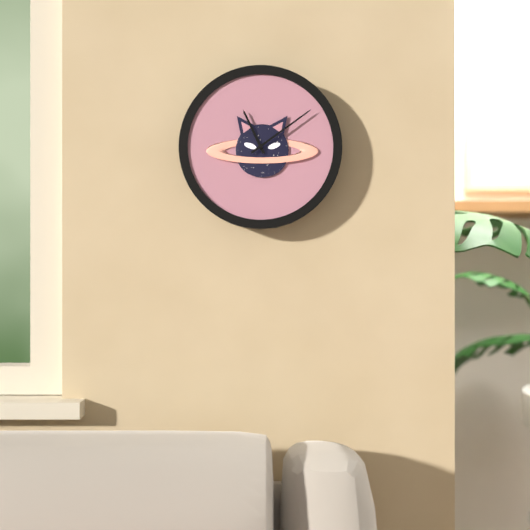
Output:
11,09
